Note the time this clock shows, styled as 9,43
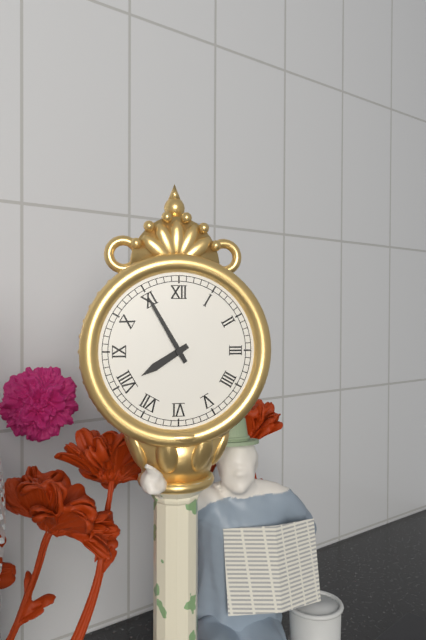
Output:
7,55
